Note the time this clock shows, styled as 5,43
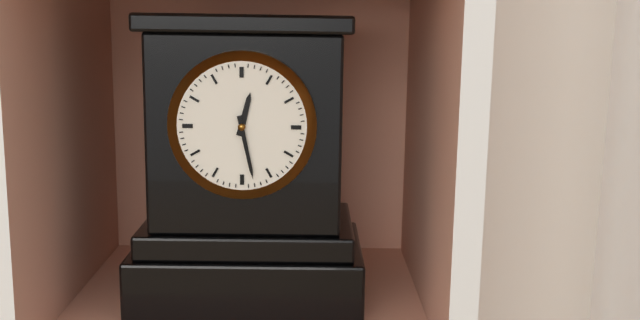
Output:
12,28
